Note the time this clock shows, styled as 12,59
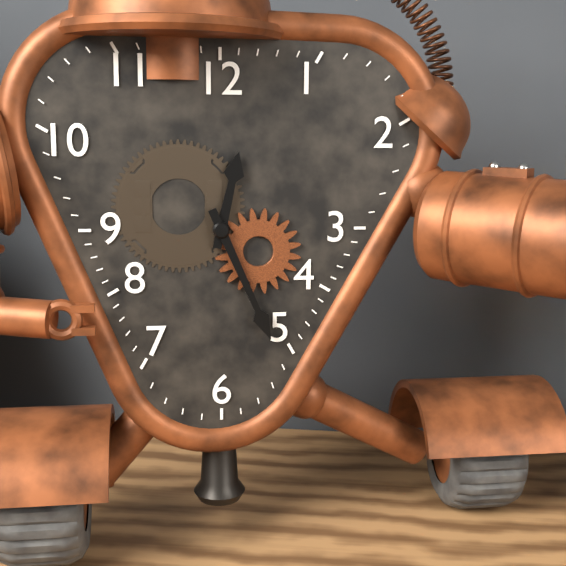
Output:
12,26
